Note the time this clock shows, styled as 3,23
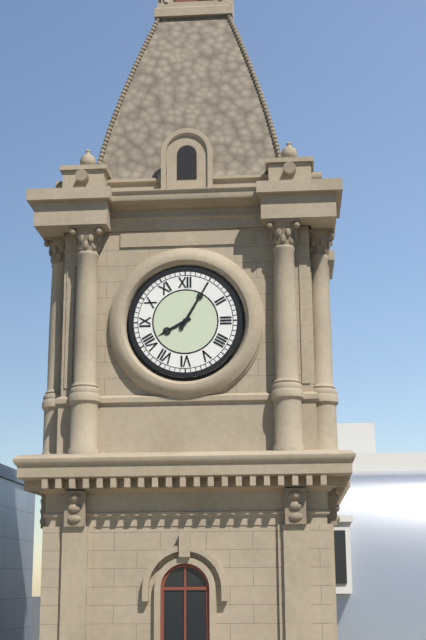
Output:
8,05
